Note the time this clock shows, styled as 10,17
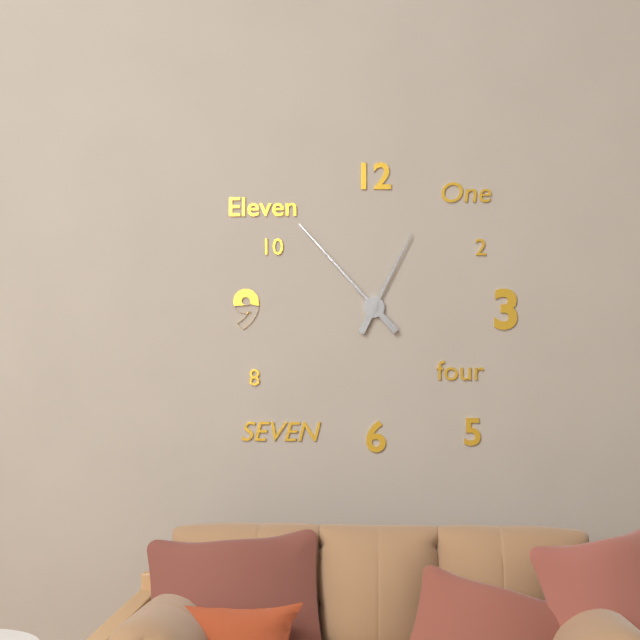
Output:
12,53
